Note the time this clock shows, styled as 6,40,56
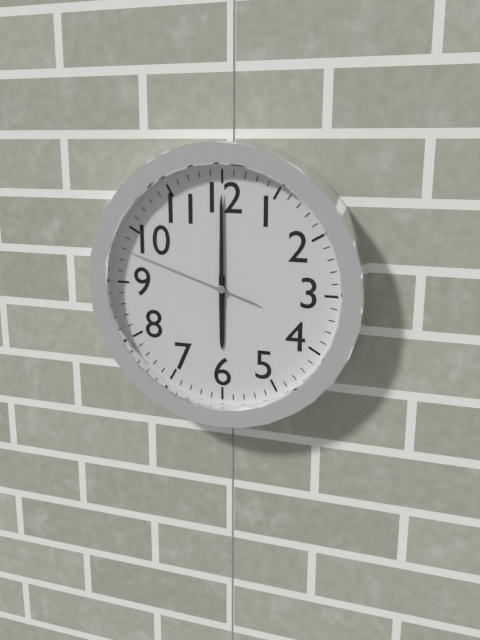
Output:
6,00,48
